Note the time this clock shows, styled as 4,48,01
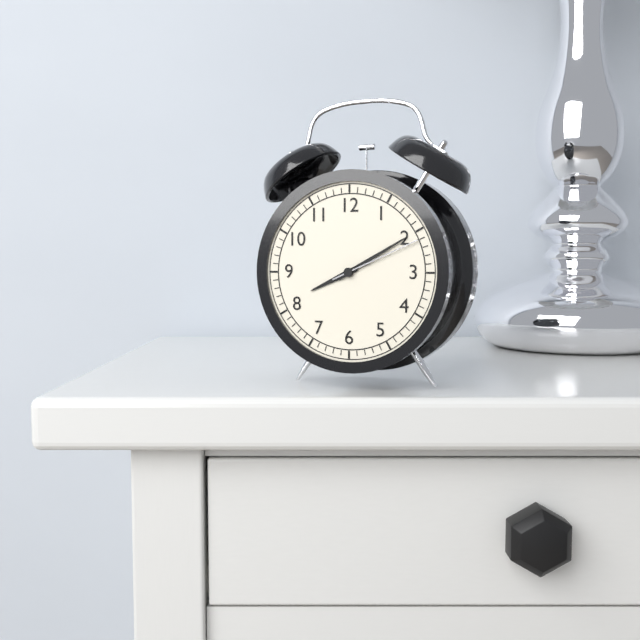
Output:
8,10,11
